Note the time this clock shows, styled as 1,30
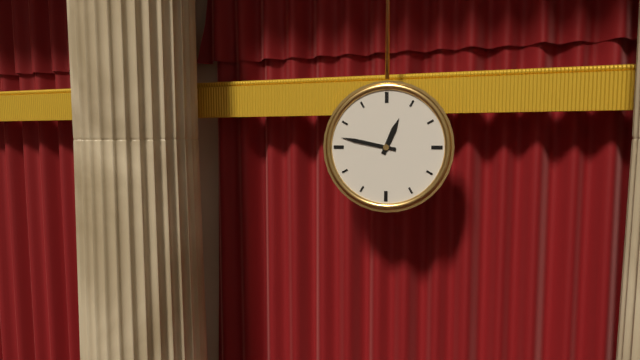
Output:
12,47
